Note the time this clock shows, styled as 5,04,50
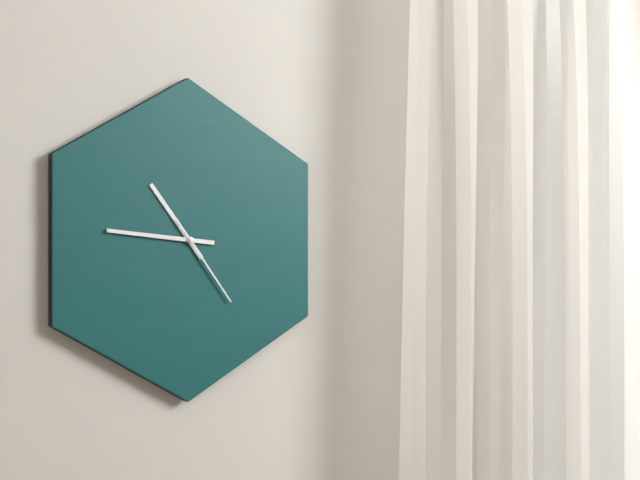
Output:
10,46,24
